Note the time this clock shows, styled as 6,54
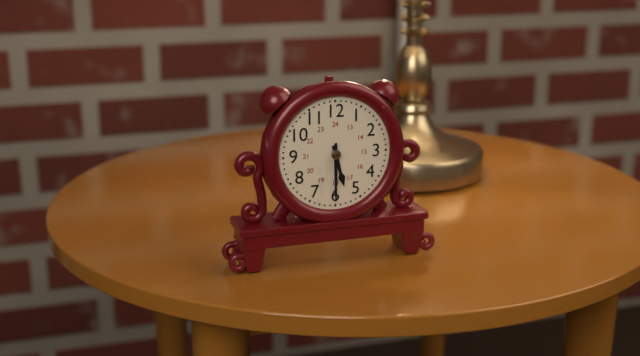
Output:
5,30
